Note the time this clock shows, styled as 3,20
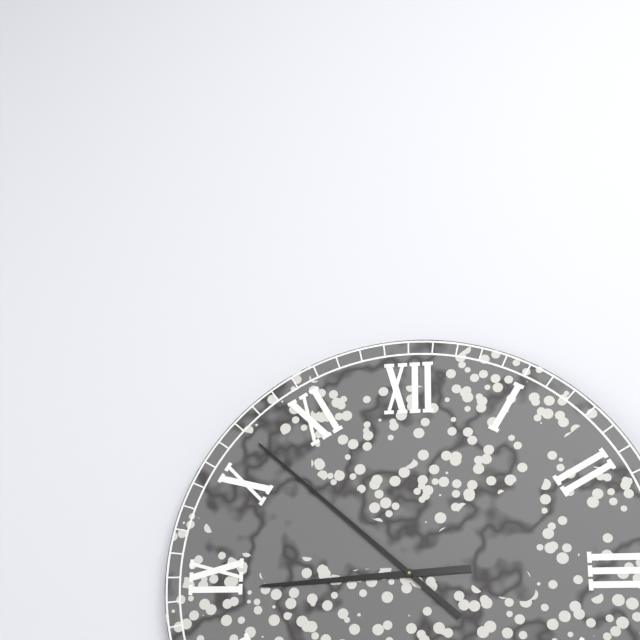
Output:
8,52
